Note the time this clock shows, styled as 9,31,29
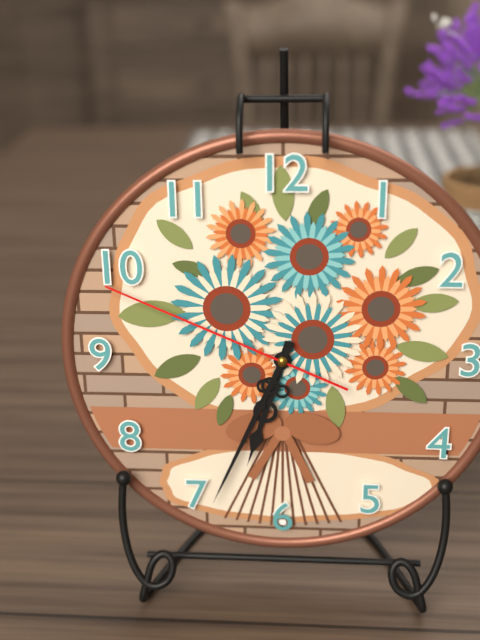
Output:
6,34,49
